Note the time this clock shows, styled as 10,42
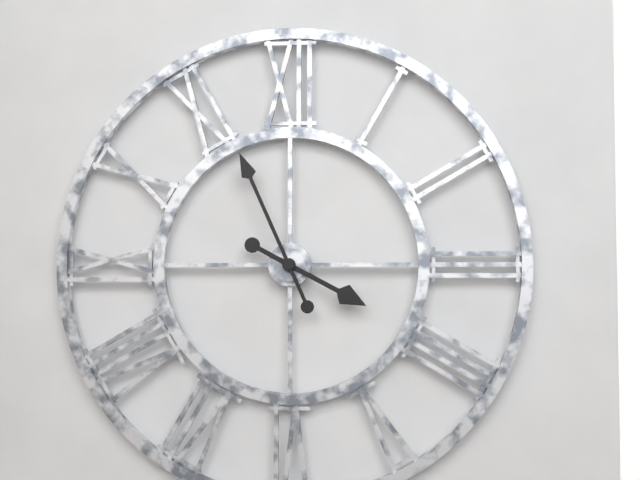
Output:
3,56
